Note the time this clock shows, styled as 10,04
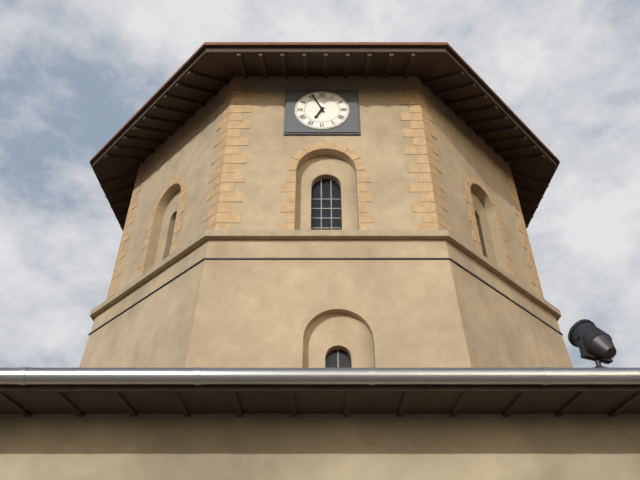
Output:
6,56
